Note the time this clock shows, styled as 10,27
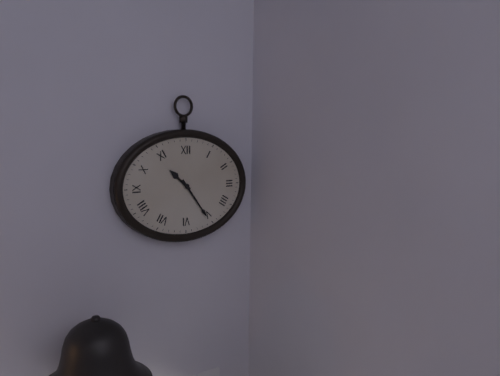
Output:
10,24
